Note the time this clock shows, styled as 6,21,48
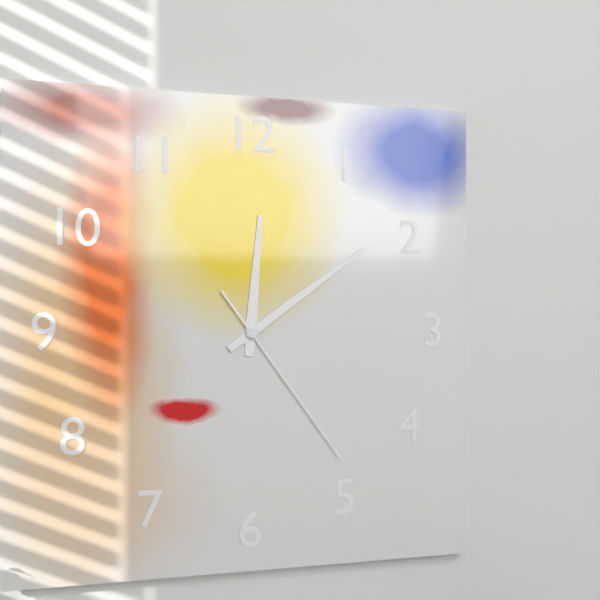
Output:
12,09,24
